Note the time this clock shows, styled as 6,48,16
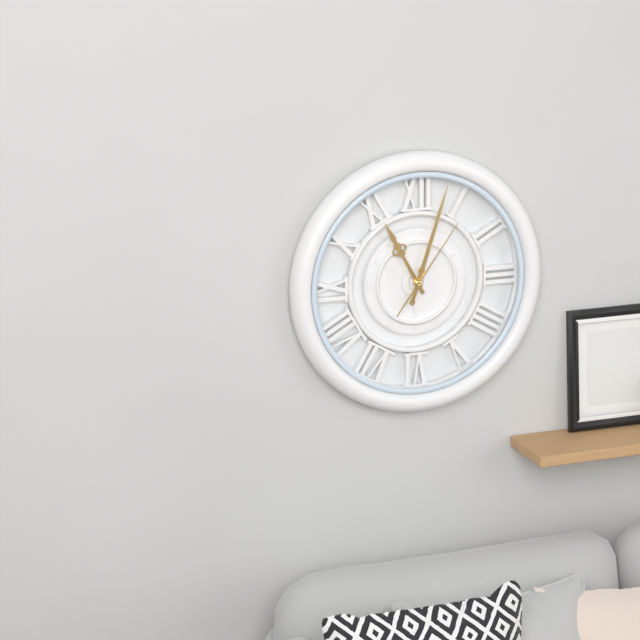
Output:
11,03,06
